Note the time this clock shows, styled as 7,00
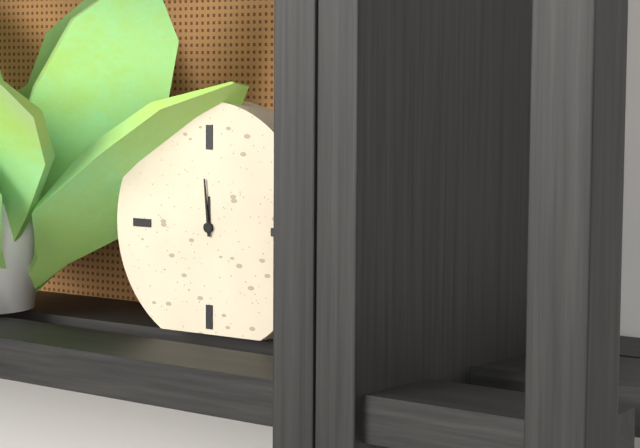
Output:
11,59
